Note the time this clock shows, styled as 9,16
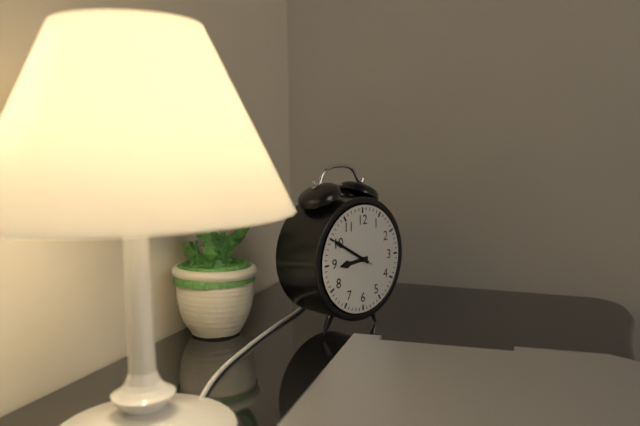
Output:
8,50
